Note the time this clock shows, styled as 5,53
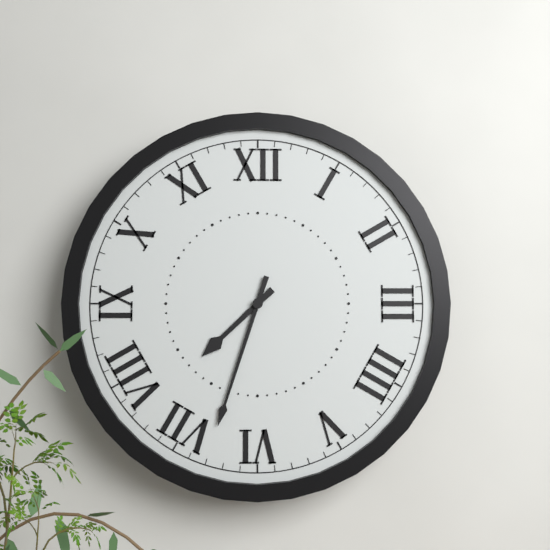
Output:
7,33
